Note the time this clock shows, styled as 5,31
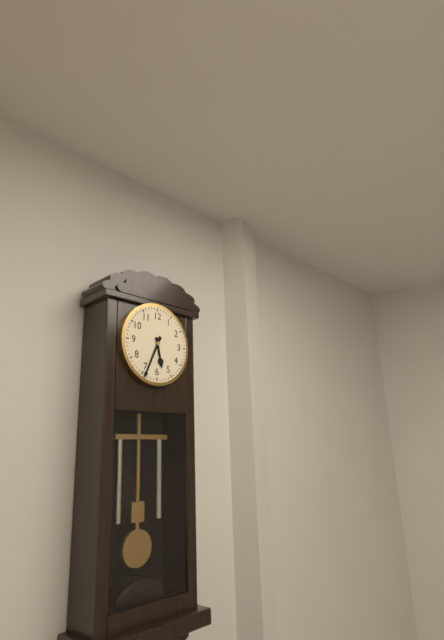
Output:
5,34
